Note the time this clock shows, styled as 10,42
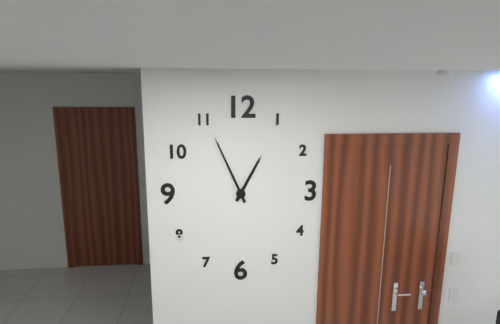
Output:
12,56
